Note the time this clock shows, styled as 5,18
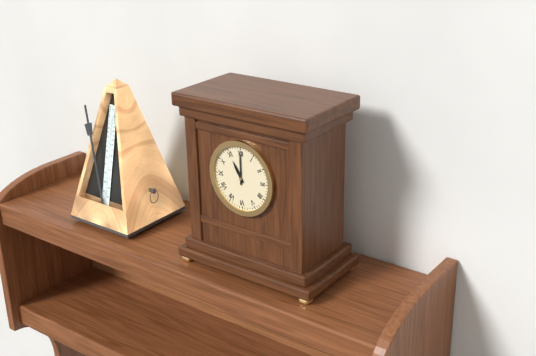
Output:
11,00
